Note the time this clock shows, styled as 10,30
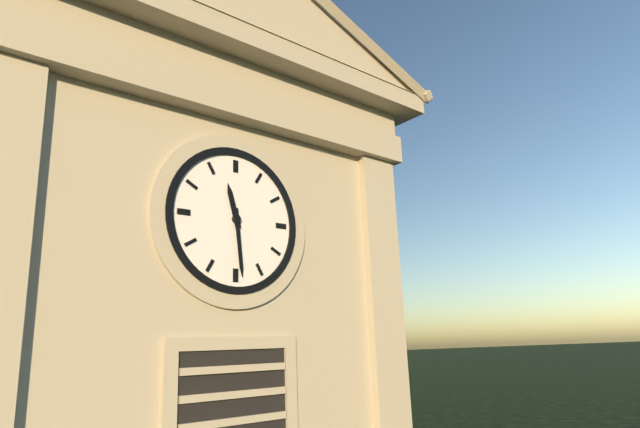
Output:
11,29
